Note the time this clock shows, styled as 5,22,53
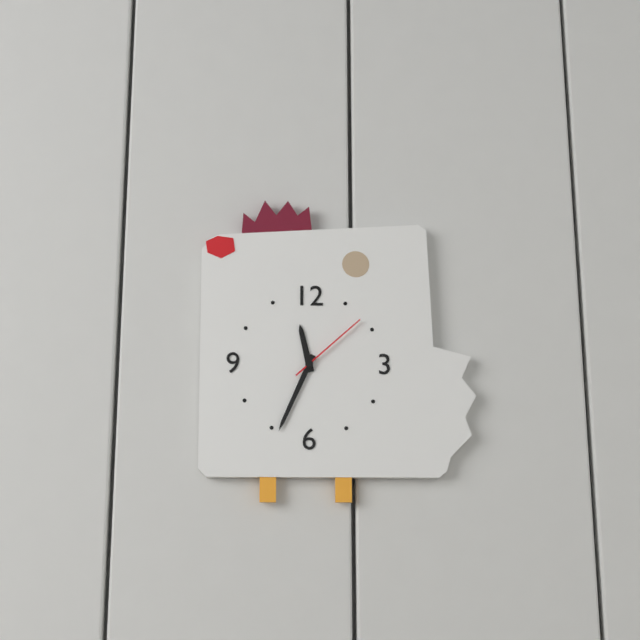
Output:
11,34,08
